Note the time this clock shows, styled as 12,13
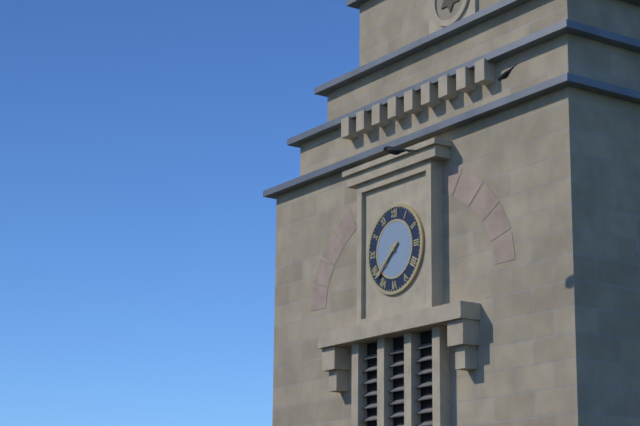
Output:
7,38
